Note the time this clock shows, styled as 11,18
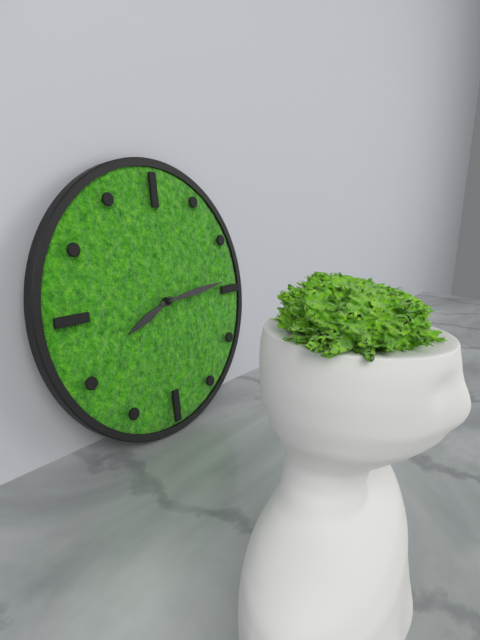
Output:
8,14
